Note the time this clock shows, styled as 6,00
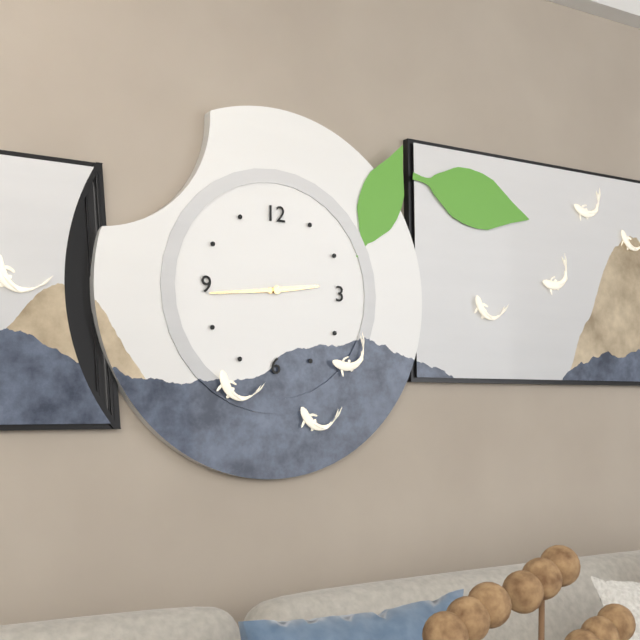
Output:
2,44
